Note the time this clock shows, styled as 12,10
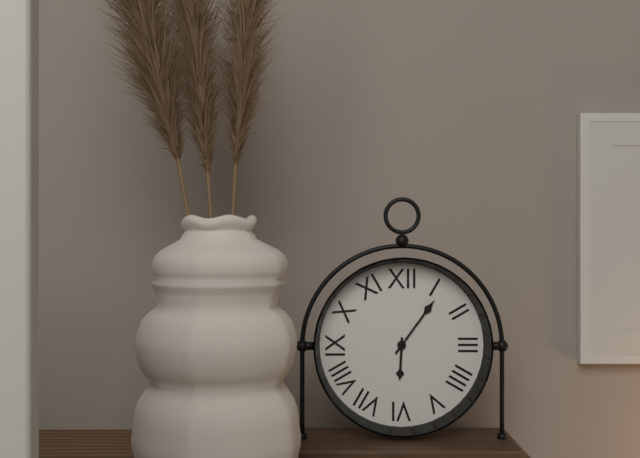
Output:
6,06
